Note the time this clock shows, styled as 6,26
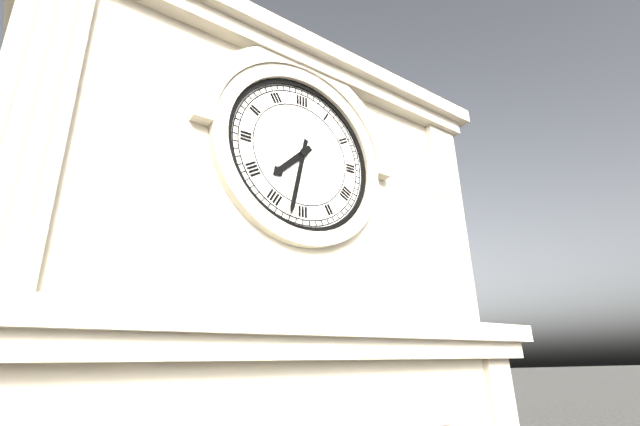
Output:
7,32
